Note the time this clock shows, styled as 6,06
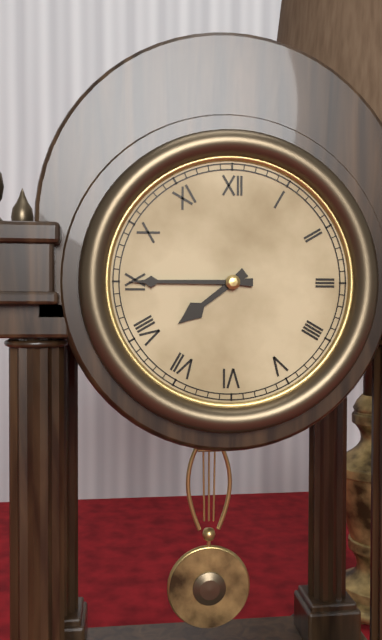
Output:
7,45
